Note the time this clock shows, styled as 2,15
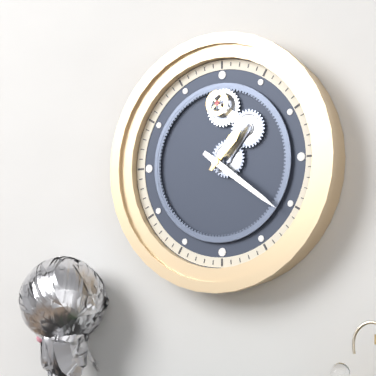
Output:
1,21
